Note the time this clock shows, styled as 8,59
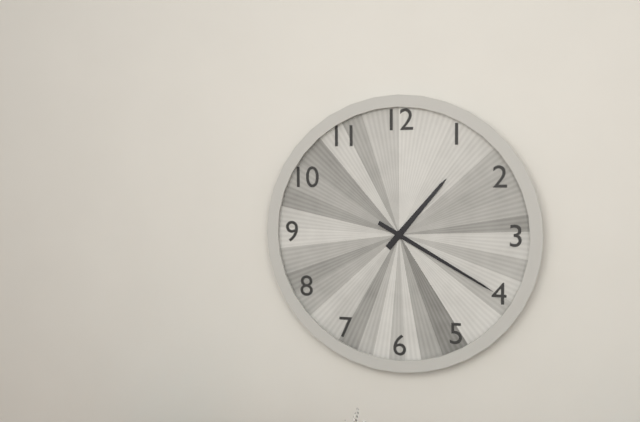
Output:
1,20
